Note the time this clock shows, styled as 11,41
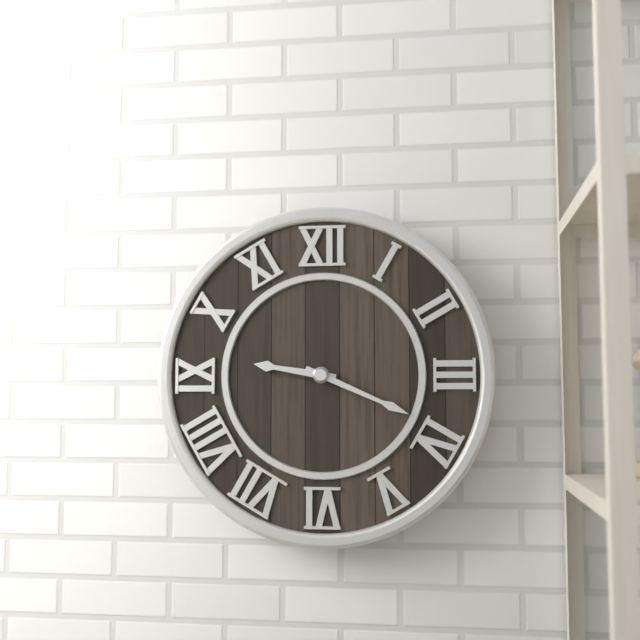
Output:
9,19
